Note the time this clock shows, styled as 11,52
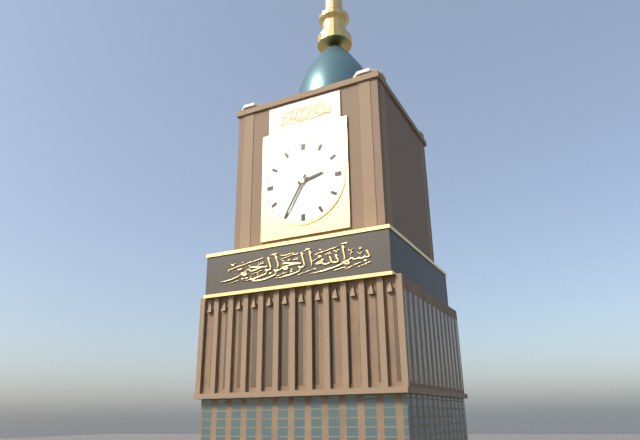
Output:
2,35
